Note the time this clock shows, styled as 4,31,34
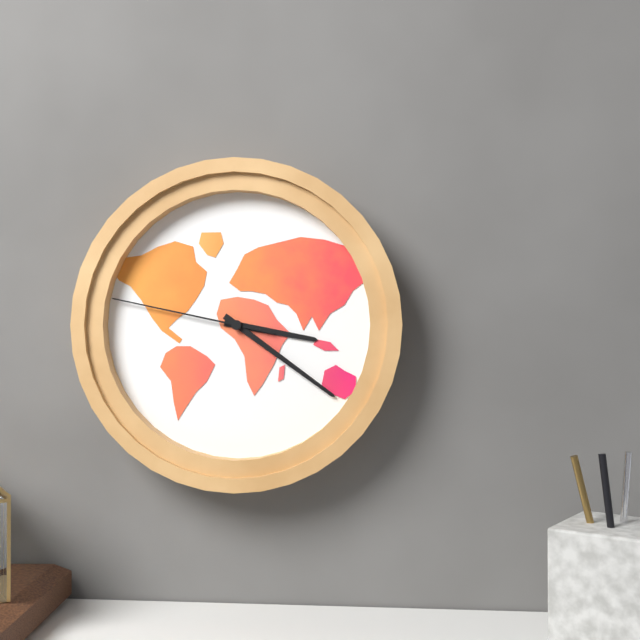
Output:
3,21,47
